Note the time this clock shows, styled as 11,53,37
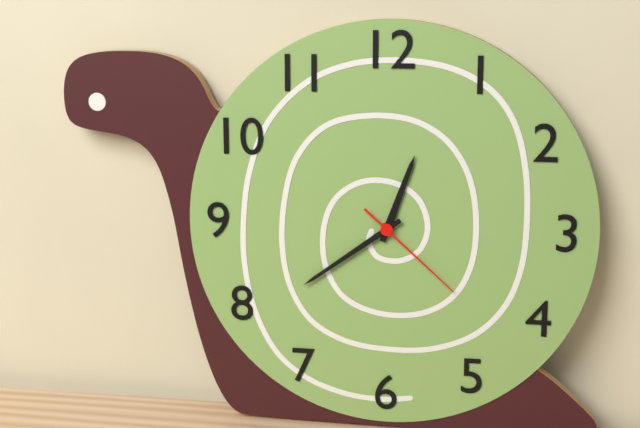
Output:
12,39,22
